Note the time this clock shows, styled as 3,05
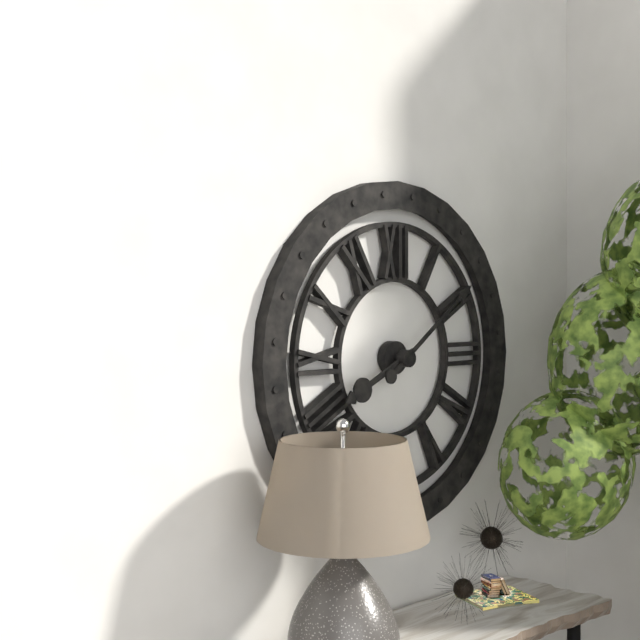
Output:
8,09
